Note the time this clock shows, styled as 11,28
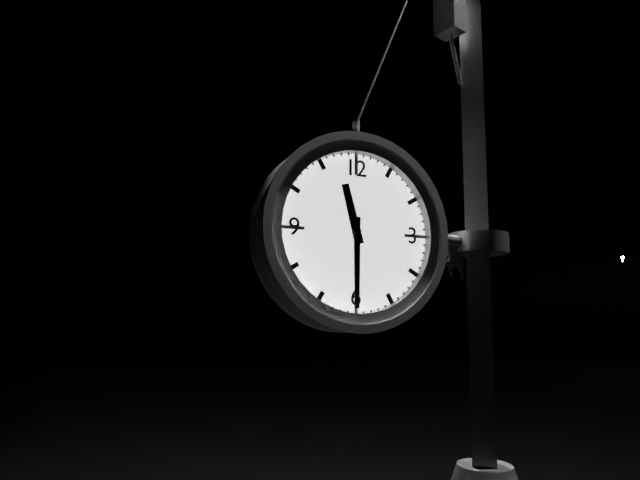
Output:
11,30
